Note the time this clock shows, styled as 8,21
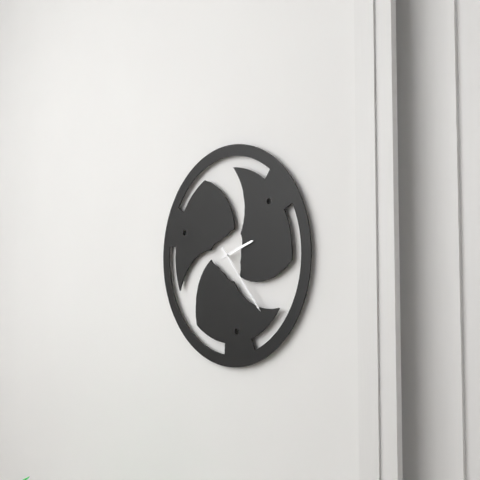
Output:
2,23
